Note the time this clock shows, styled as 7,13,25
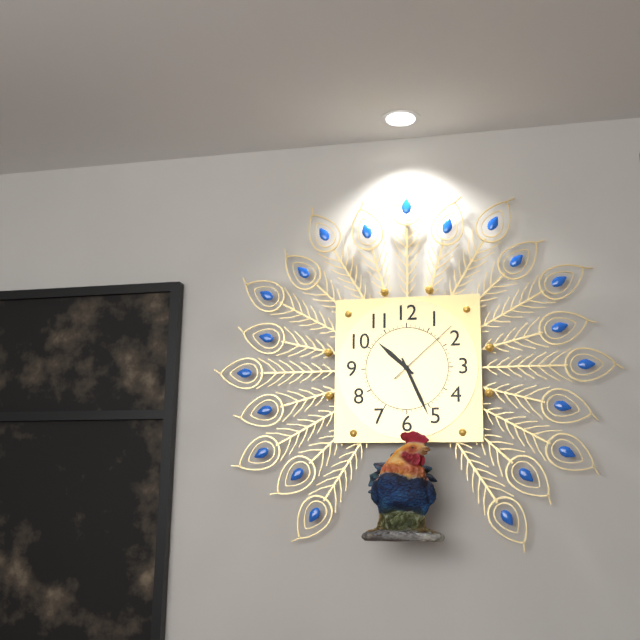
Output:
10,26,08
